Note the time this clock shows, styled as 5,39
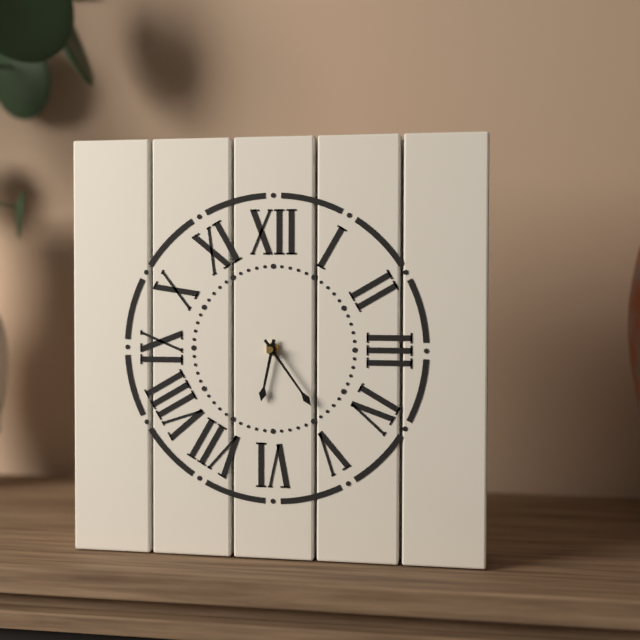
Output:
6,24
